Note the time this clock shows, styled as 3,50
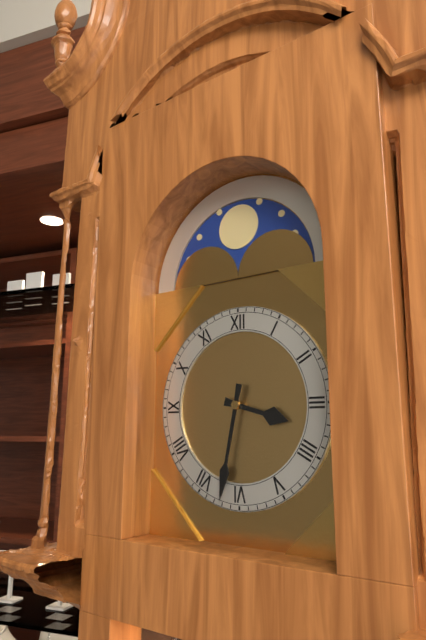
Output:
3,32
